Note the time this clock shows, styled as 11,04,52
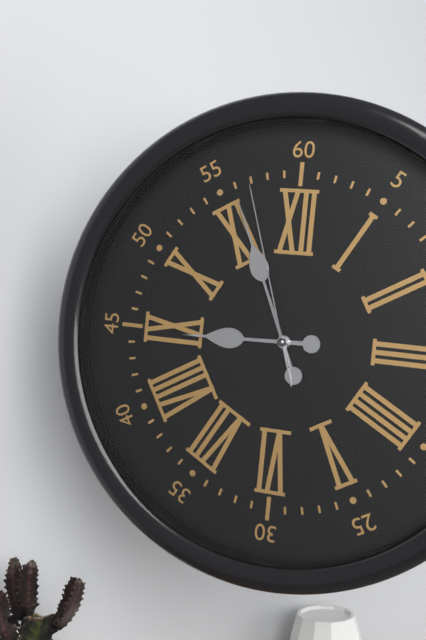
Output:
8,56,57
